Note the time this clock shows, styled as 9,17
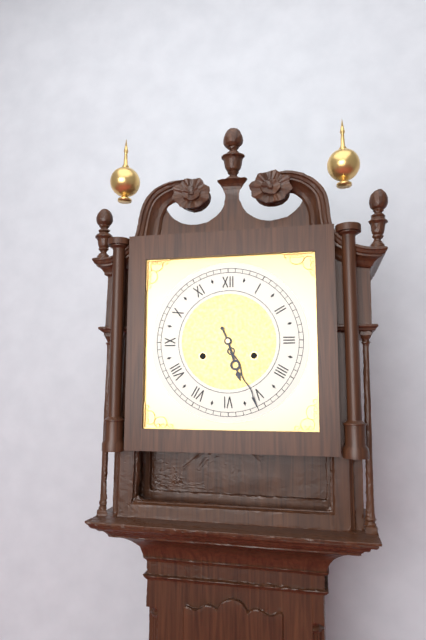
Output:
5,26
